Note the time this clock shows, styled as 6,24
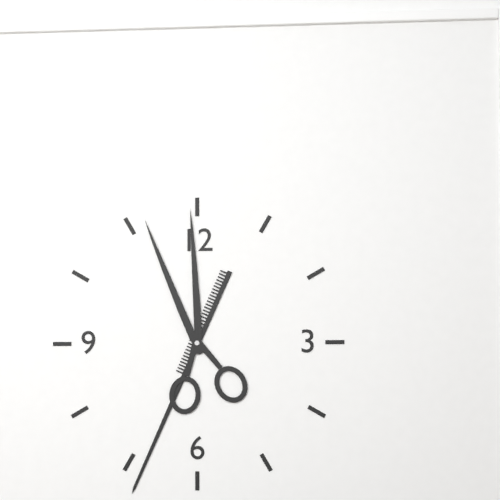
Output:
11,34
